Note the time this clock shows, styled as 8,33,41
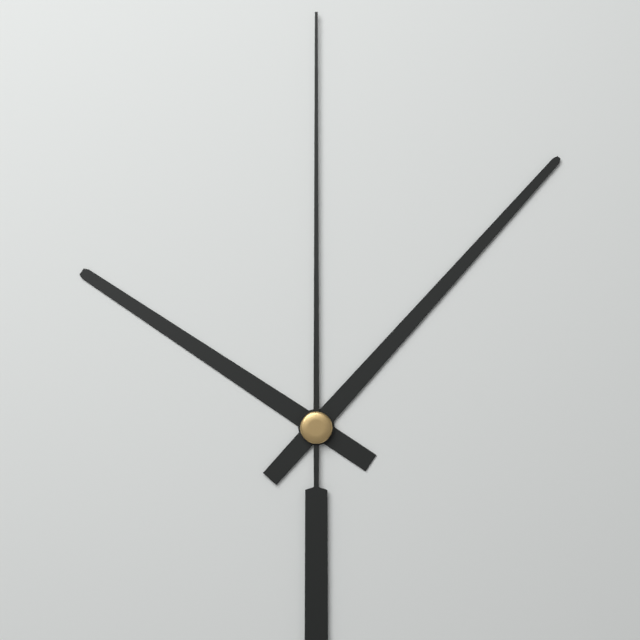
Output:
10,07,00
